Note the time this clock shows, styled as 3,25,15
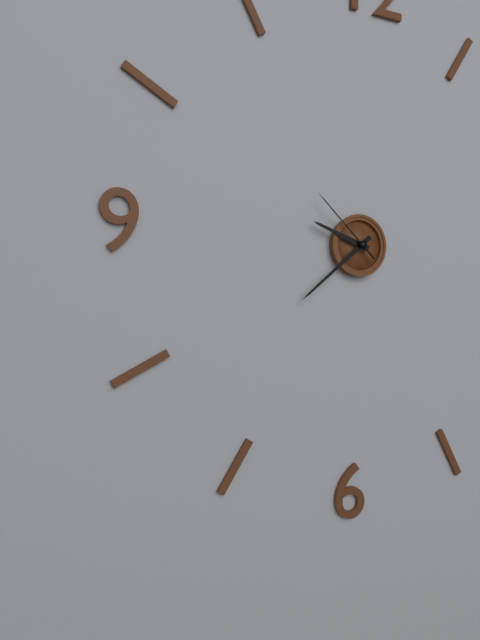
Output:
9,38,52
